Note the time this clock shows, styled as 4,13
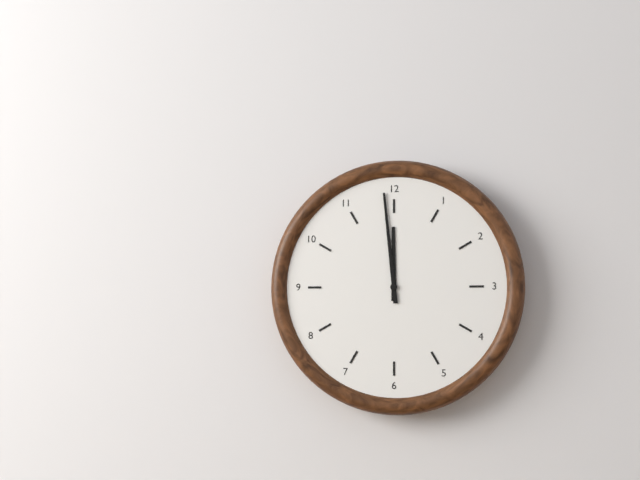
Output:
11,59
